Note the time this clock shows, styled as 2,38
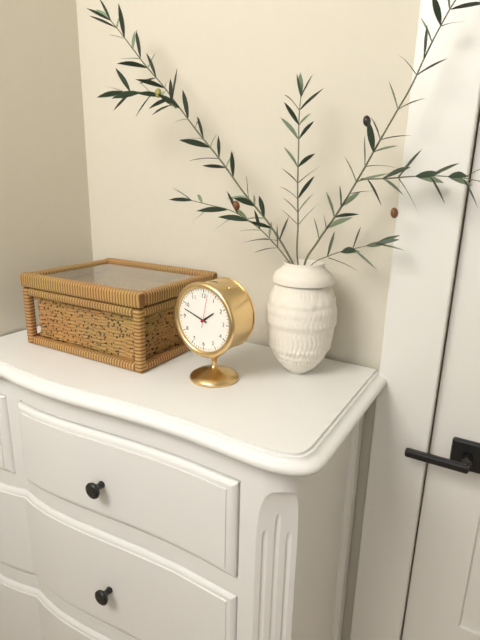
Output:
1,48
